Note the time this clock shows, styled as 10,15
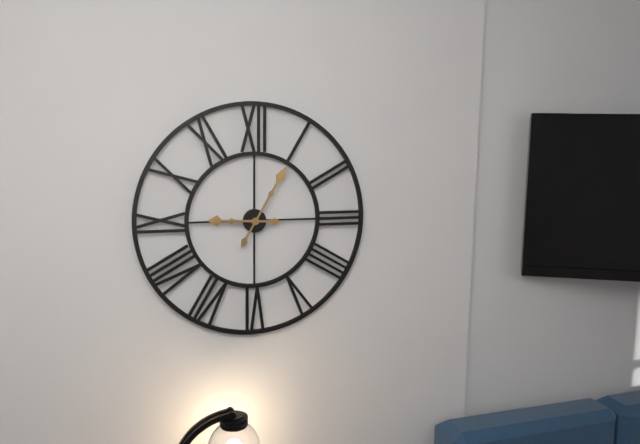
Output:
9,05
